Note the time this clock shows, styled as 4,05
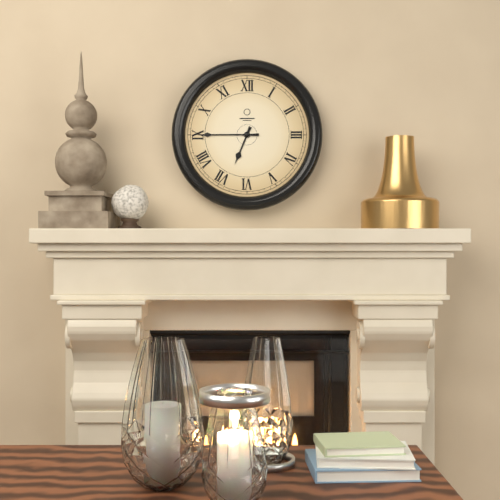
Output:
6,45
